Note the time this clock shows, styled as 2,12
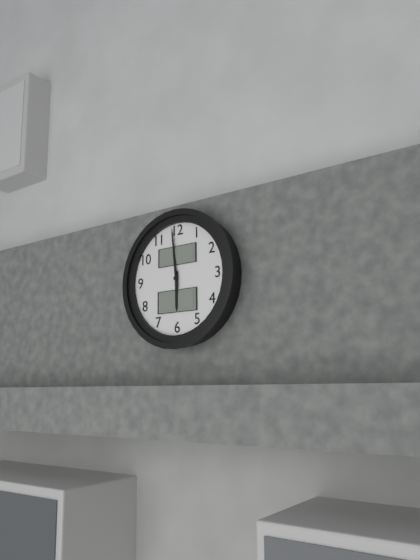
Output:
5,59
